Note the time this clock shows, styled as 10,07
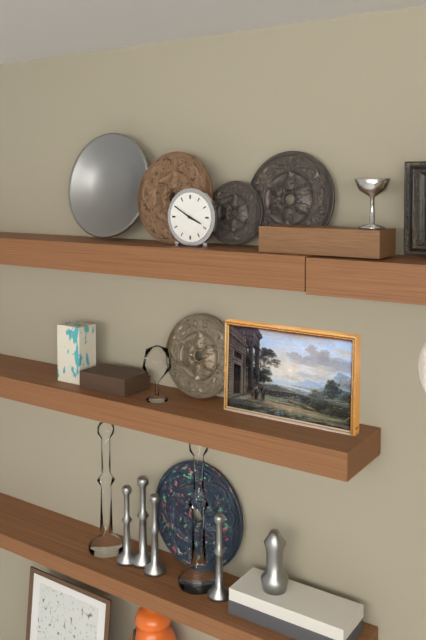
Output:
3,50
